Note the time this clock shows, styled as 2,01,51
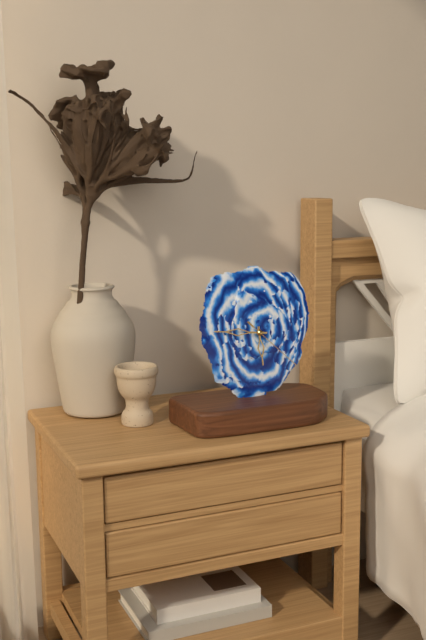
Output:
5,46,22
